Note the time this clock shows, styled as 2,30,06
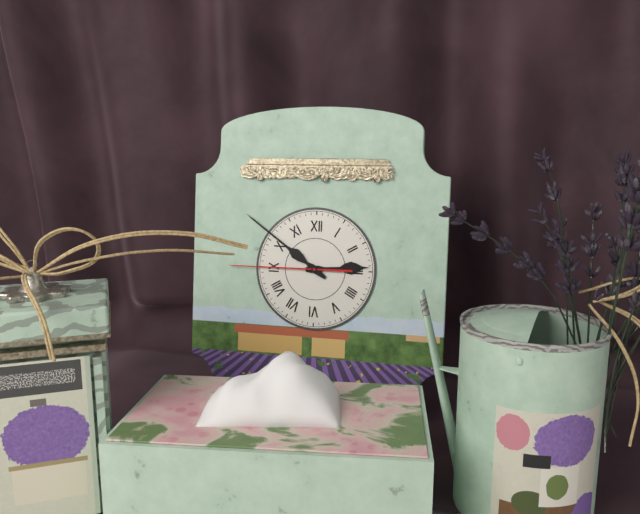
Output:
2,51,45
